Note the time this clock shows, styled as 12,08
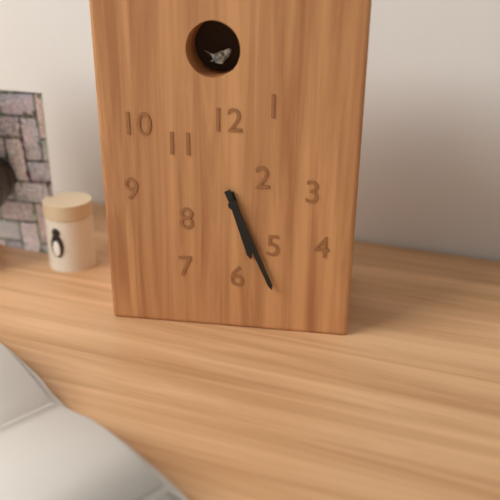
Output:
5,26
